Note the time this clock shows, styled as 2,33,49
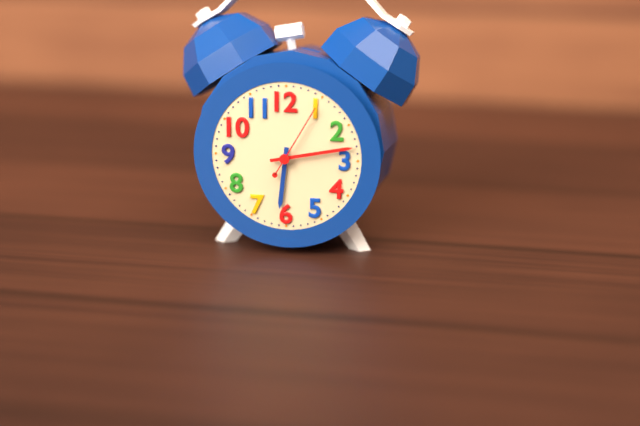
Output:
6,13,05
